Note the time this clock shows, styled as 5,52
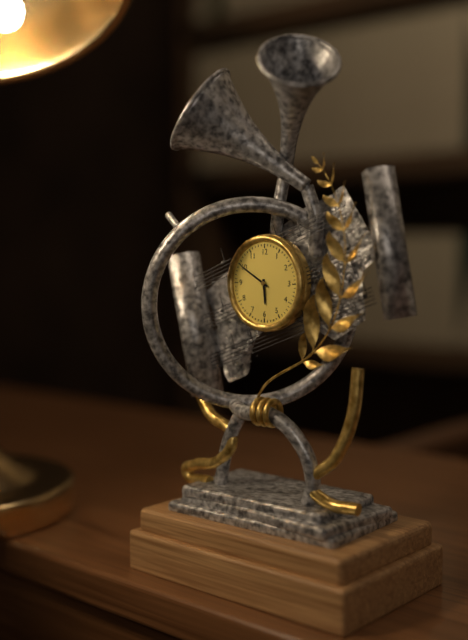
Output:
5,50
